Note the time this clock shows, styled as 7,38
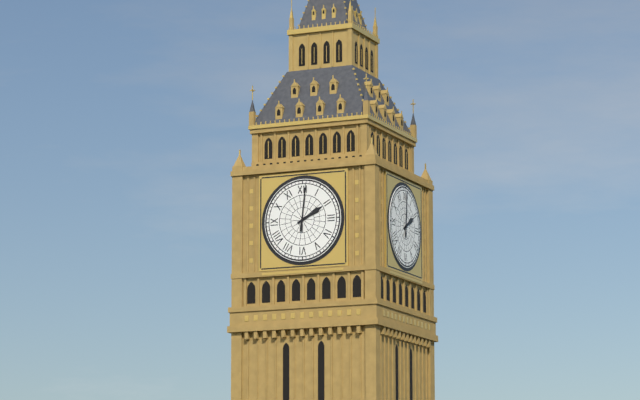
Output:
2,01
